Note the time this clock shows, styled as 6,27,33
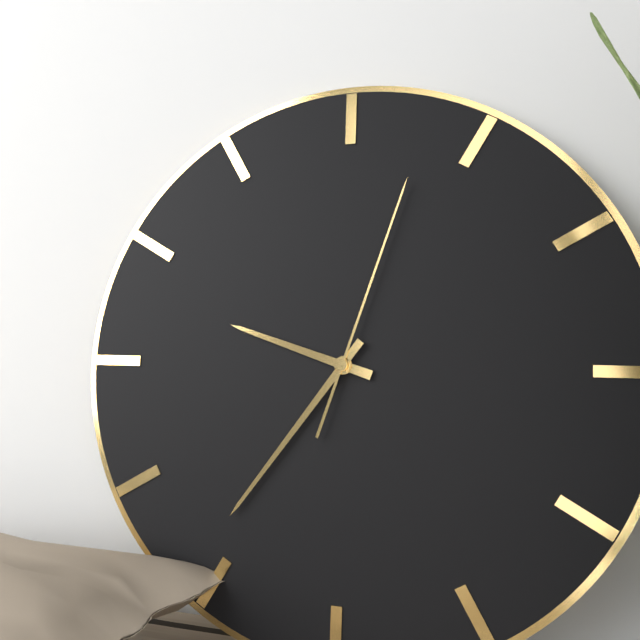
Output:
9,36,03
